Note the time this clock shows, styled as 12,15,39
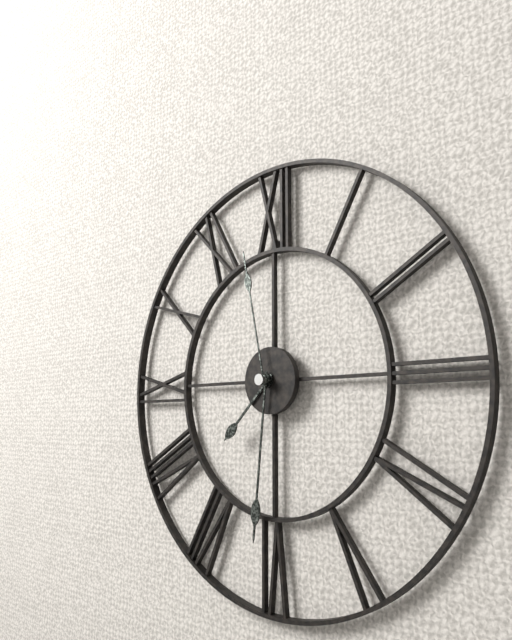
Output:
7,31,58
